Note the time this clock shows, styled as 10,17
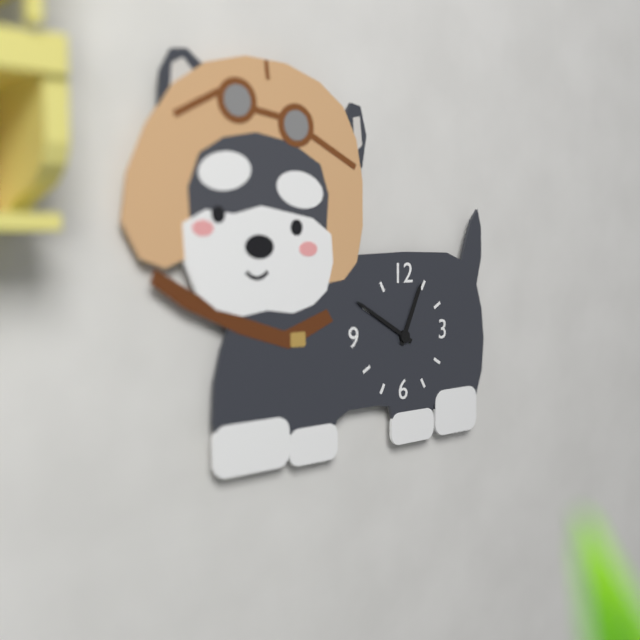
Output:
12,50
